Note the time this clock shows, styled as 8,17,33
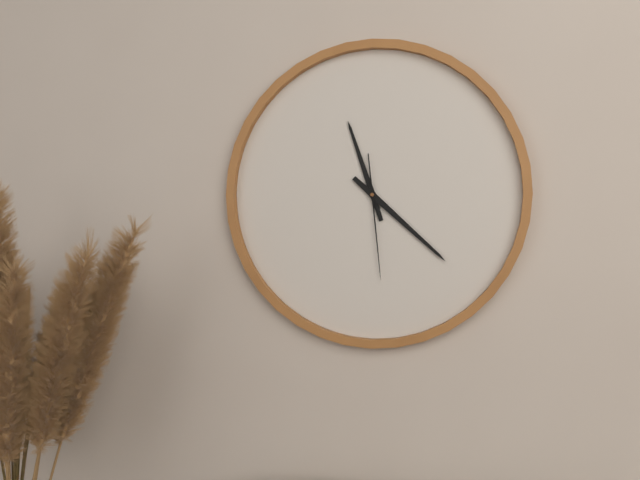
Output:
11,22,29
